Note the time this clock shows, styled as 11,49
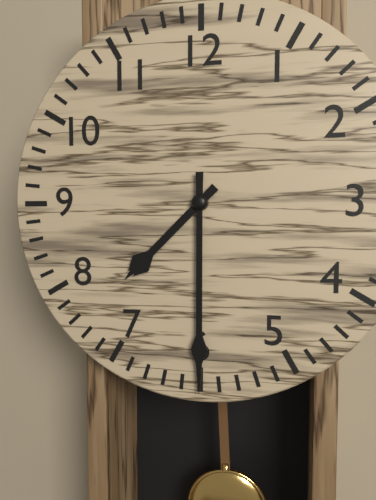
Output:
7,30
